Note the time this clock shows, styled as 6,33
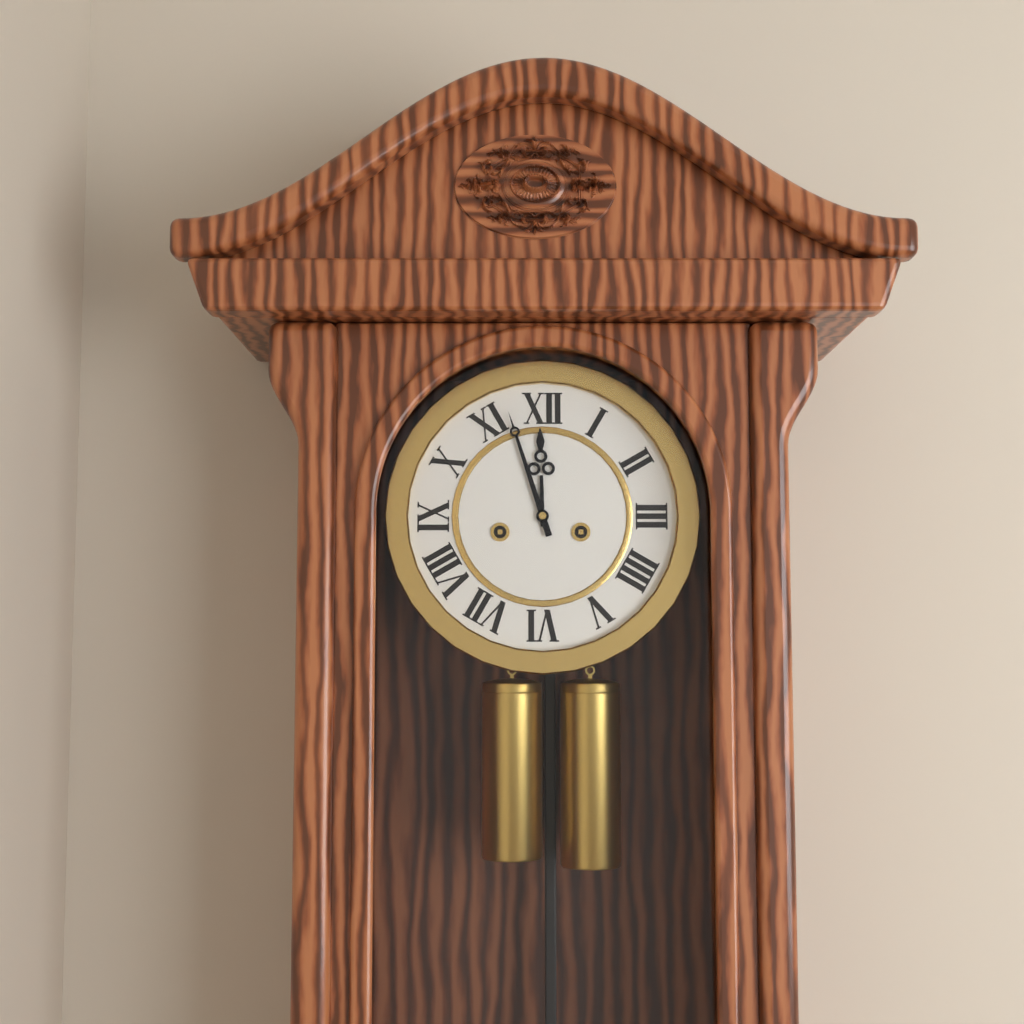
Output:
11,57
